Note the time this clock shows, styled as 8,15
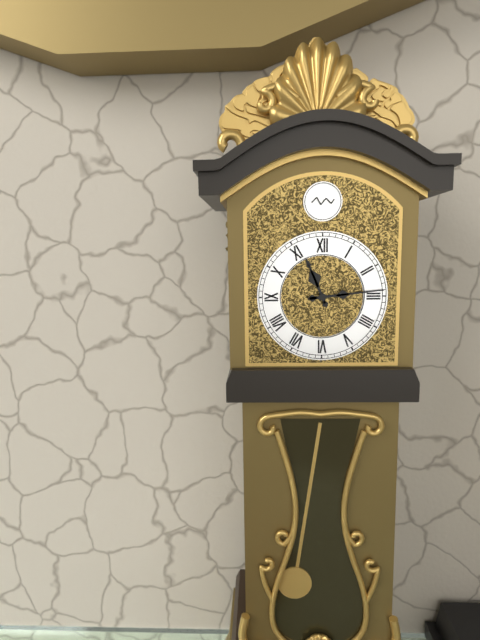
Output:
11,14
